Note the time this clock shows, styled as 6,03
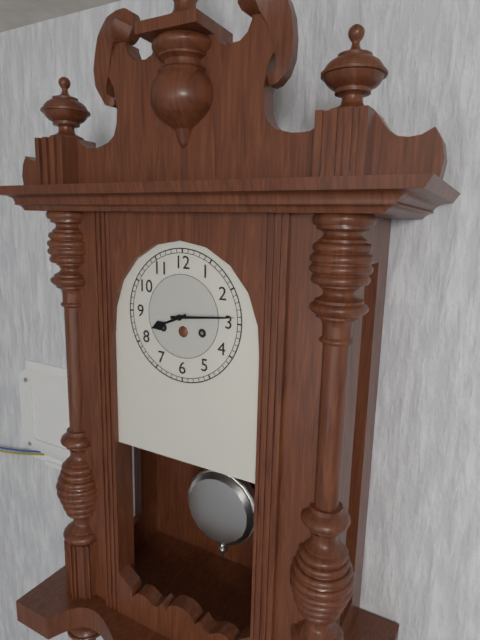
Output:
8,14
